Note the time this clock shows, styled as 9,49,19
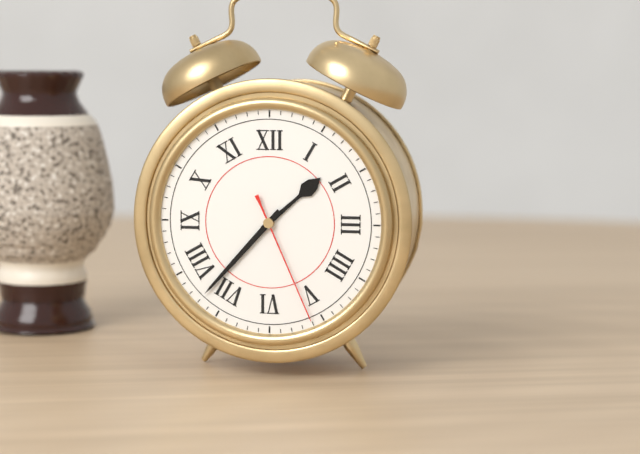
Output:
1,37,26
